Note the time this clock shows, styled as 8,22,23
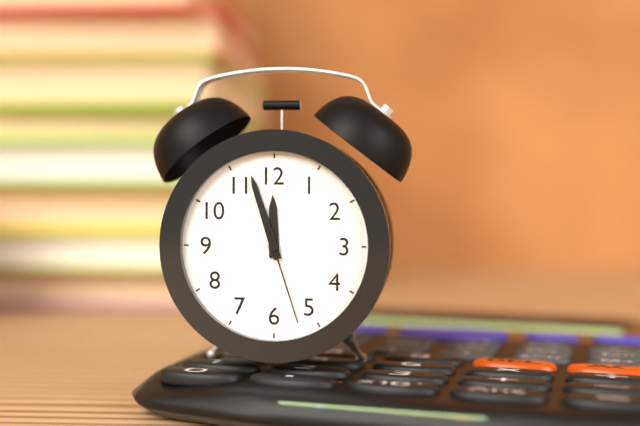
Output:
11,57,27
